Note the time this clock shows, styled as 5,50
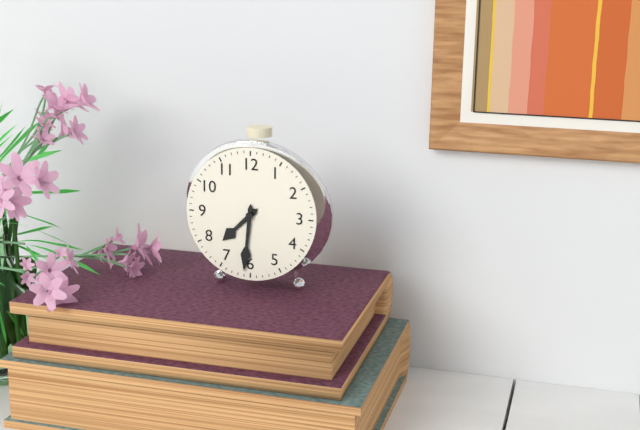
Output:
7,31
